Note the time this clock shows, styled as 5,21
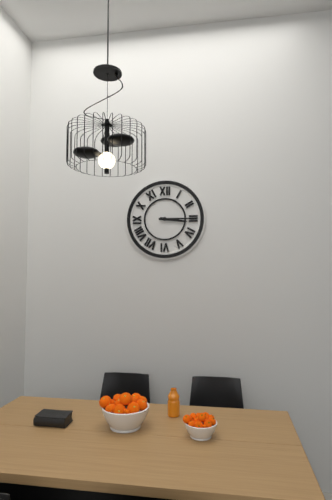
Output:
3,15
